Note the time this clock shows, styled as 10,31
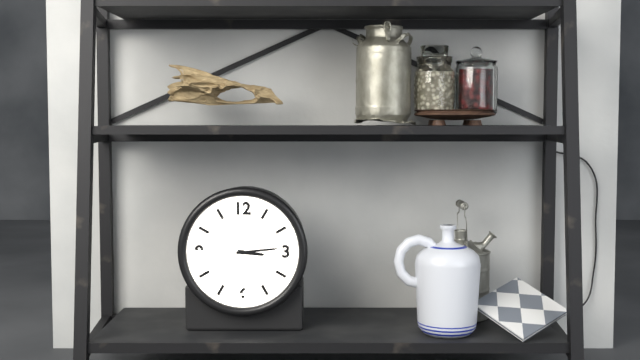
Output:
3,14
